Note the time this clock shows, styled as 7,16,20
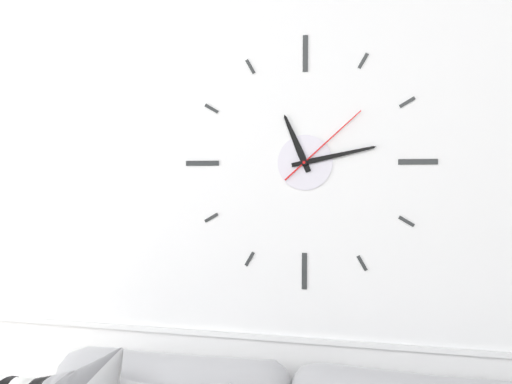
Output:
11,13,08
